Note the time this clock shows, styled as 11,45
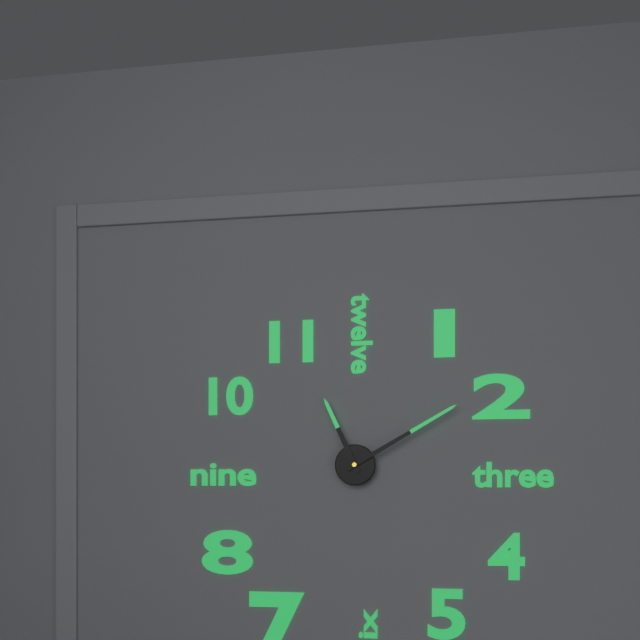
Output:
11,10
